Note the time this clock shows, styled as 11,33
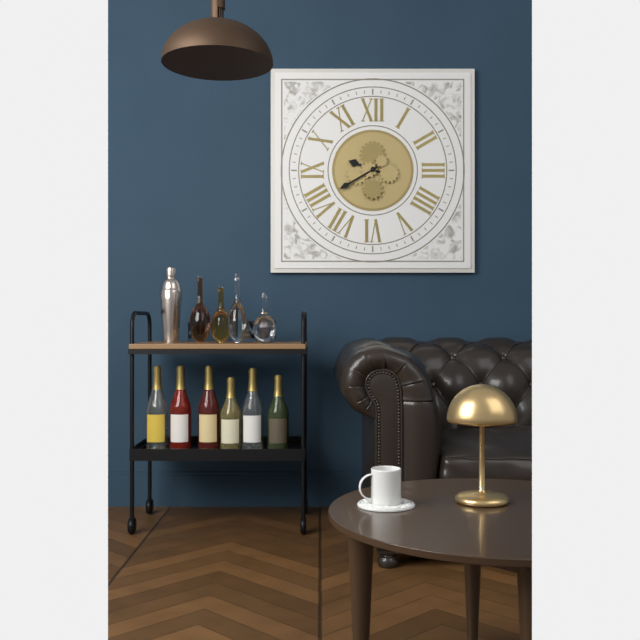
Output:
9,40
